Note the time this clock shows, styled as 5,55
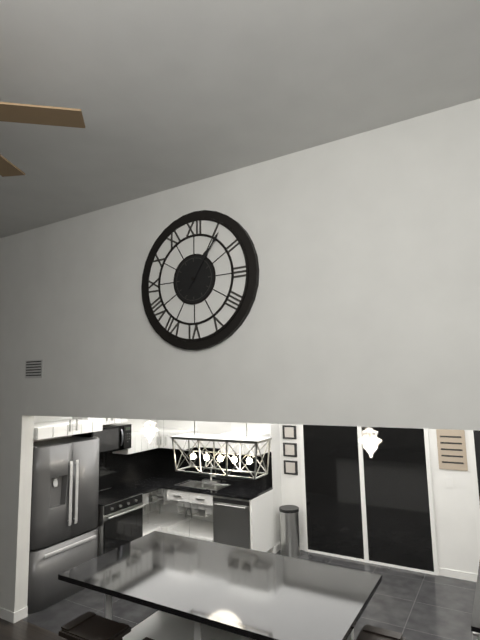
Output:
1,06
